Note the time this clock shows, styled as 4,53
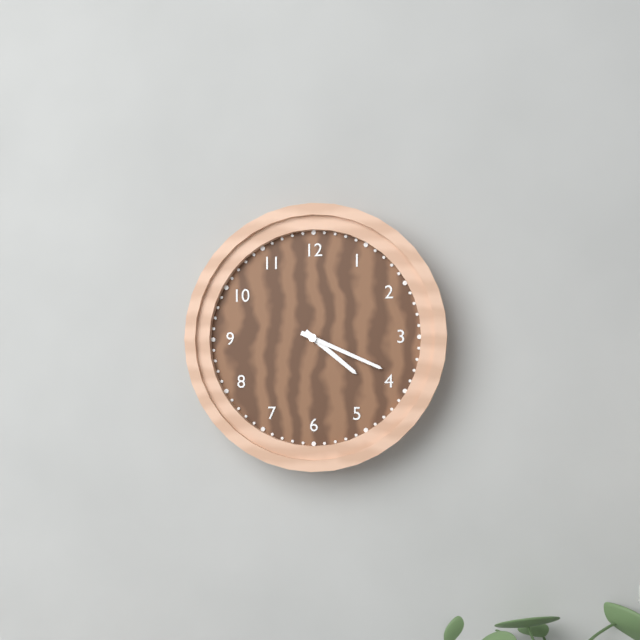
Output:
4,19
